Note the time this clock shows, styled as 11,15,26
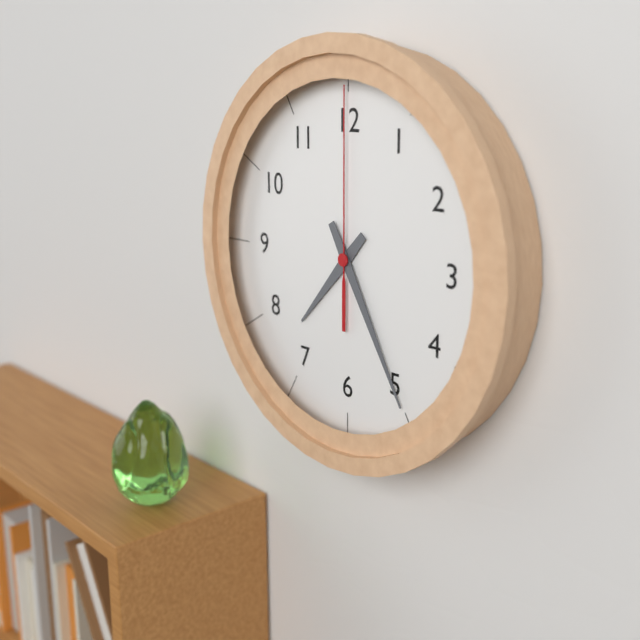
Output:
7,25,00
